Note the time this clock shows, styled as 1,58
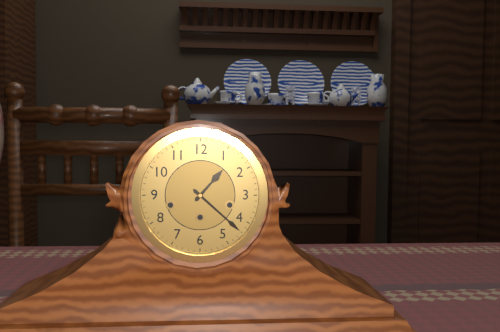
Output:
1,22
